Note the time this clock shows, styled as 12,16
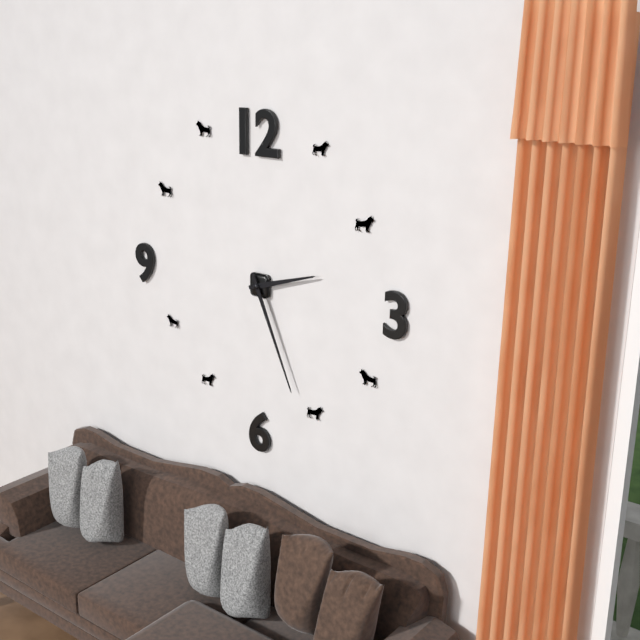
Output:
2,26
